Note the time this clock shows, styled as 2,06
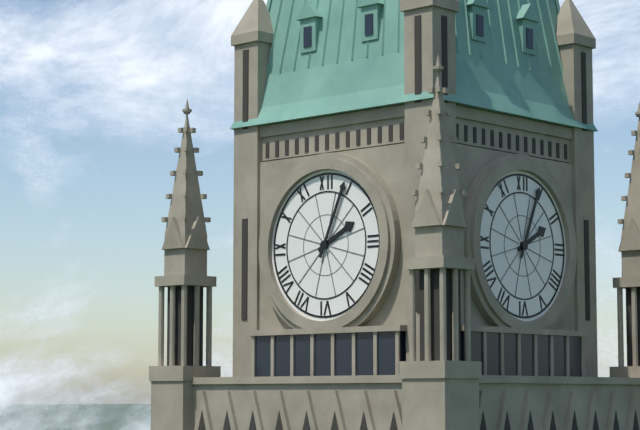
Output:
2,04
